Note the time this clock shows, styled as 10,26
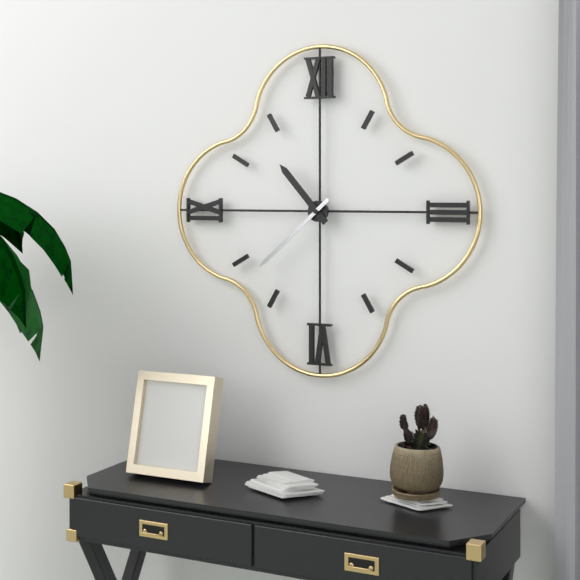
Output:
10,38
